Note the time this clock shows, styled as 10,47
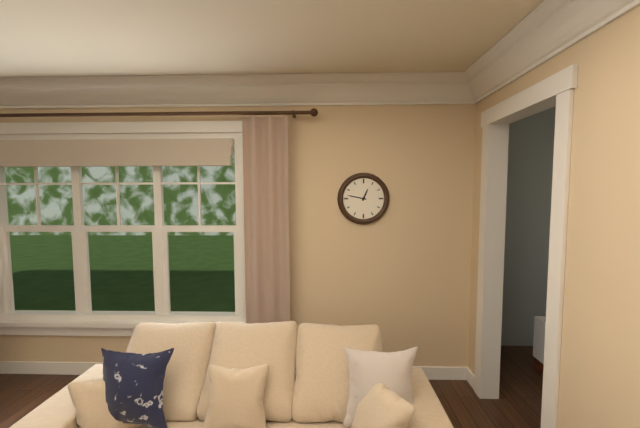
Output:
12,47
